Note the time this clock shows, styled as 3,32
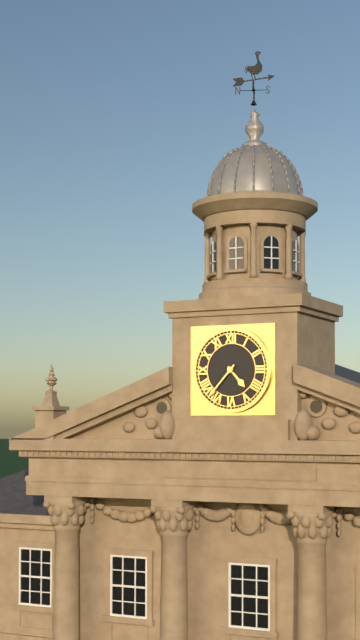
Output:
4,37
